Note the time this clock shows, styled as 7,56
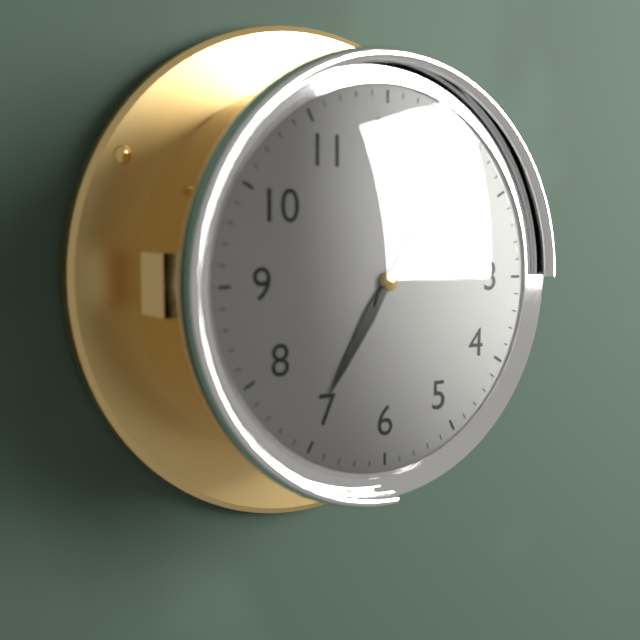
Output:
7,06
